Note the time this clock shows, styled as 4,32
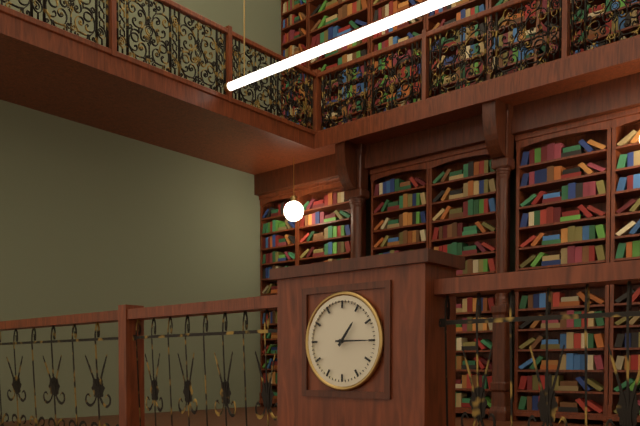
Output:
1,15
